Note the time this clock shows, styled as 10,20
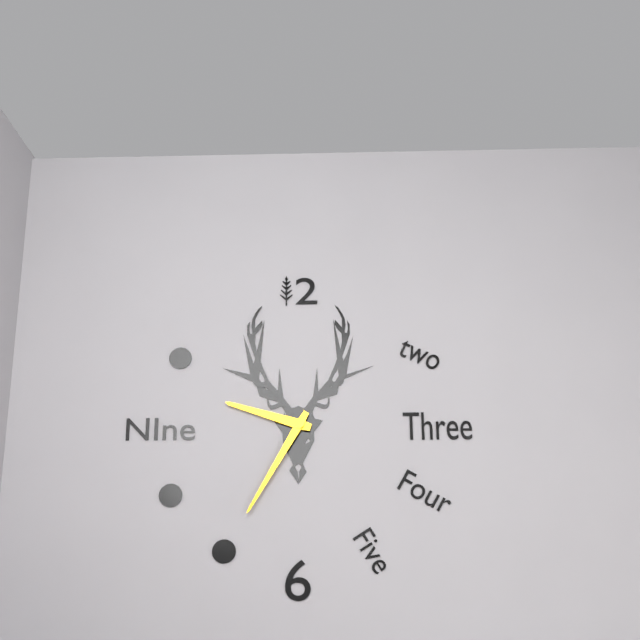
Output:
9,35
